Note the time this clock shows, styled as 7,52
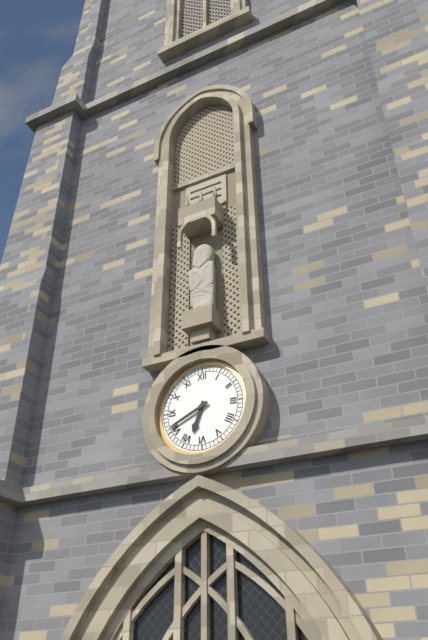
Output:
6,41
